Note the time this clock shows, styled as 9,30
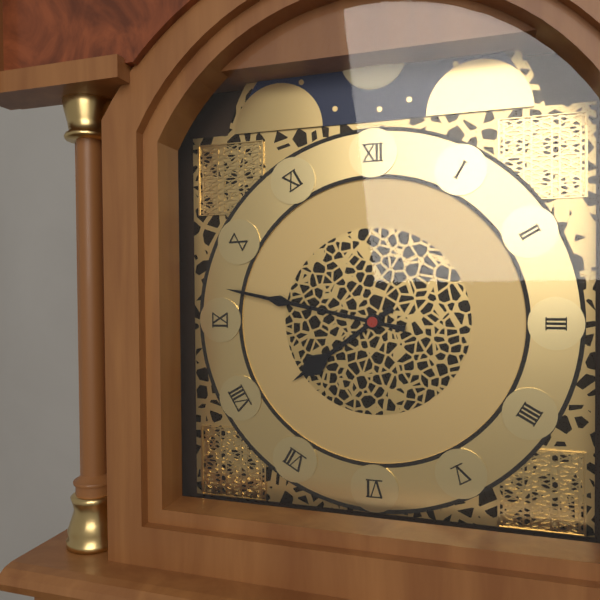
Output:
7,47
